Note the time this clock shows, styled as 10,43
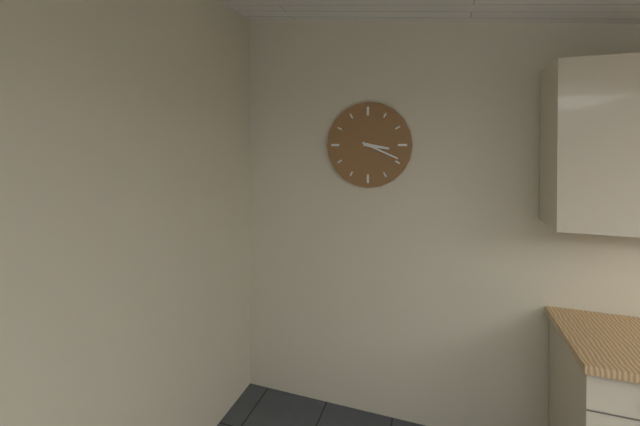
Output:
3,19
